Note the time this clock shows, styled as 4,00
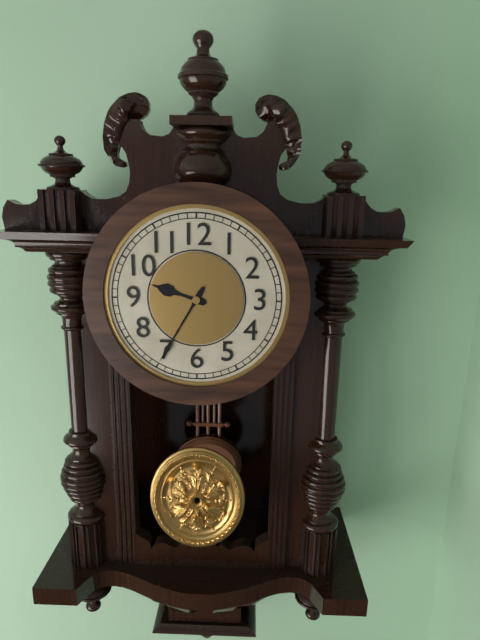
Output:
9,35
